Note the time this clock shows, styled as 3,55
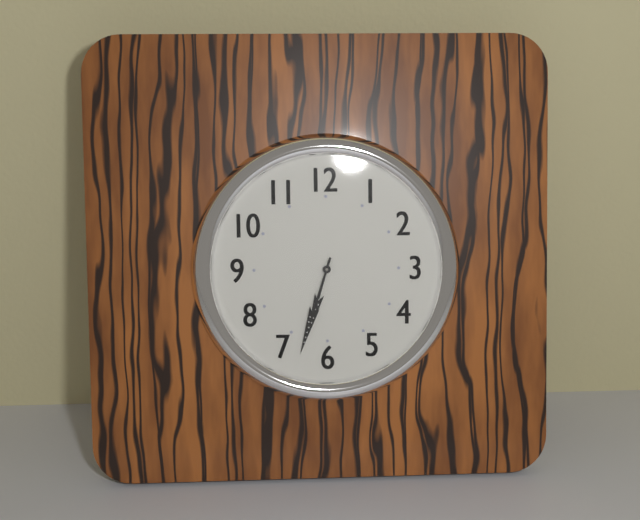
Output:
6,33
